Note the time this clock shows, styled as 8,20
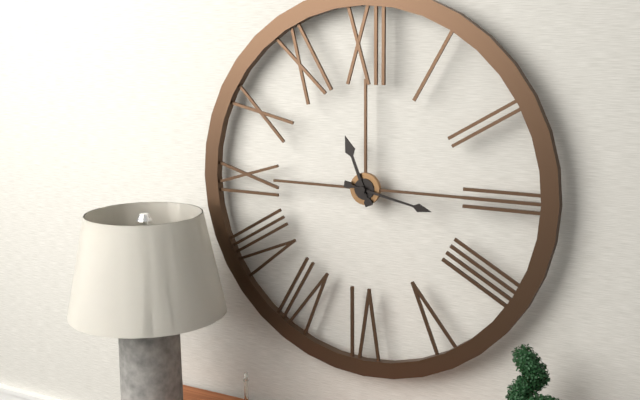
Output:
11,17
